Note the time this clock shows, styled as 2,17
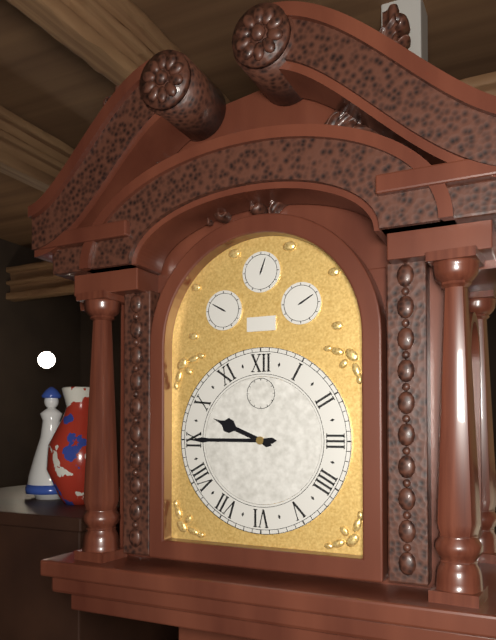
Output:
9,45
